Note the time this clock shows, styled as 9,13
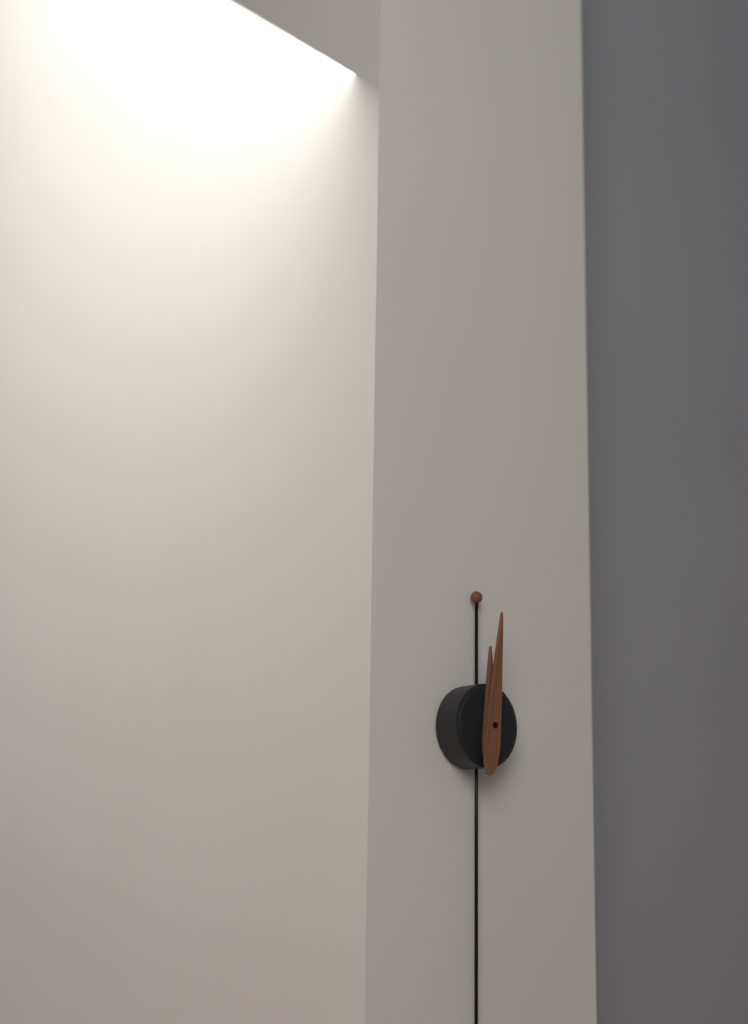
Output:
12,01
